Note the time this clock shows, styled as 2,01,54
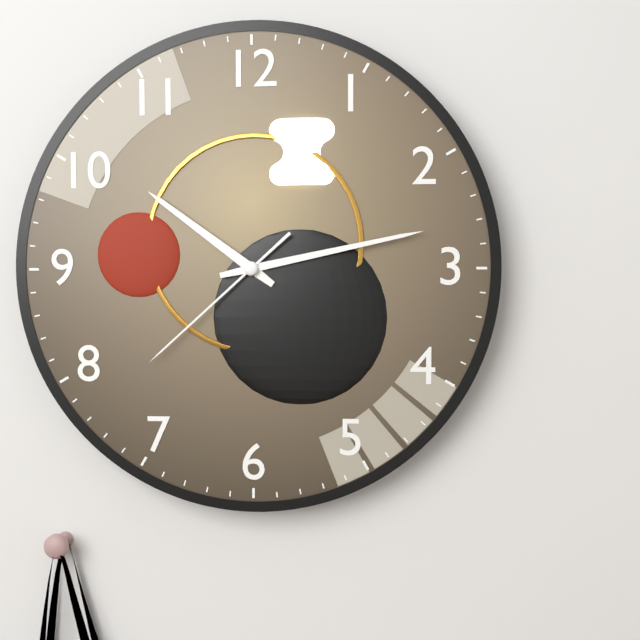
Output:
10,13,38
